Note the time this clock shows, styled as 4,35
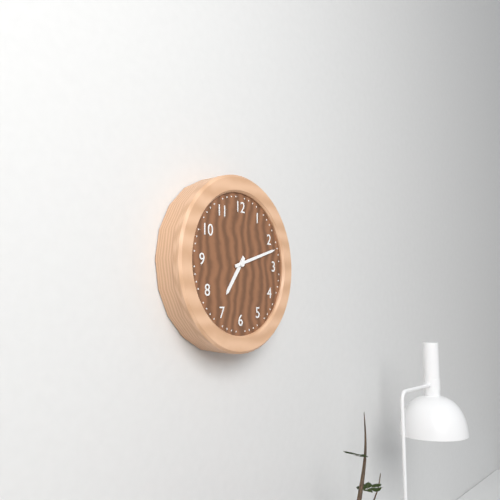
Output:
7,12
